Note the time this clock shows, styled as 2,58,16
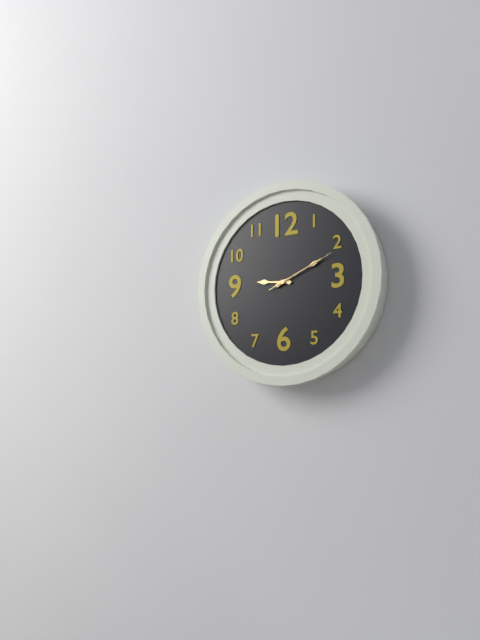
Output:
9,11,11
